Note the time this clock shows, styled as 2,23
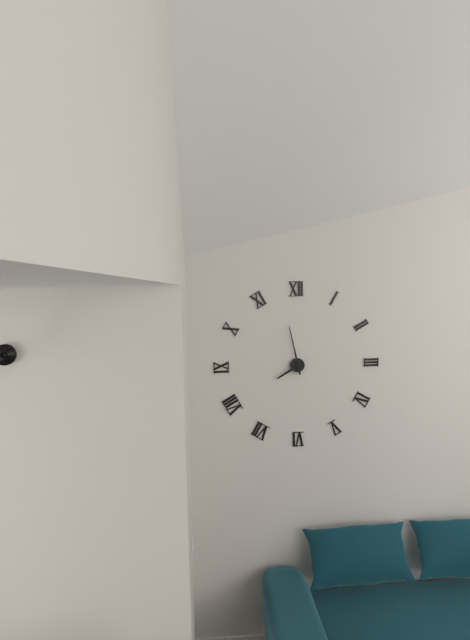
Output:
7,58
